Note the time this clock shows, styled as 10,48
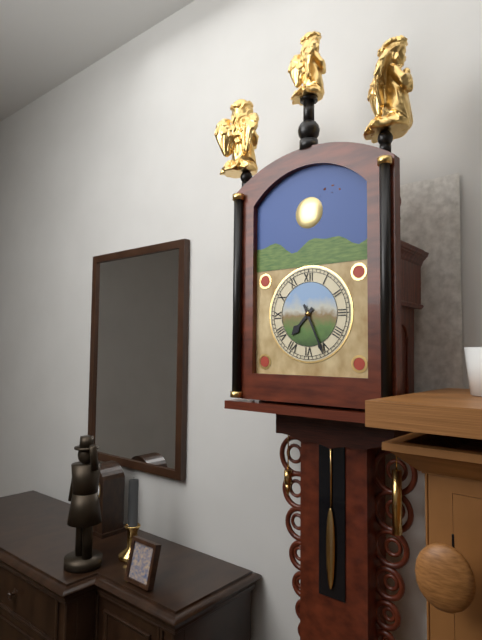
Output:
7,26
